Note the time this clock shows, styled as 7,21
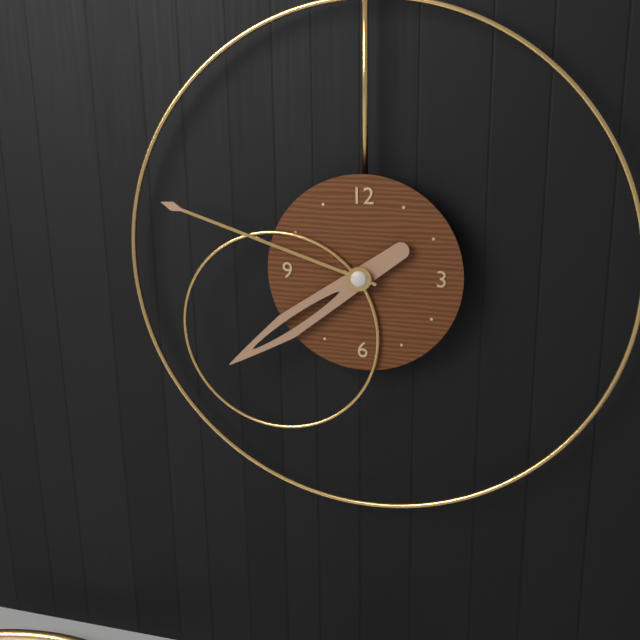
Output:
7,48
